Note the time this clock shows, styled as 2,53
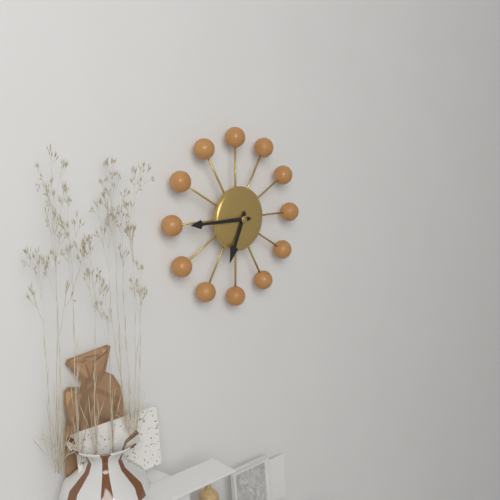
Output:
6,45
